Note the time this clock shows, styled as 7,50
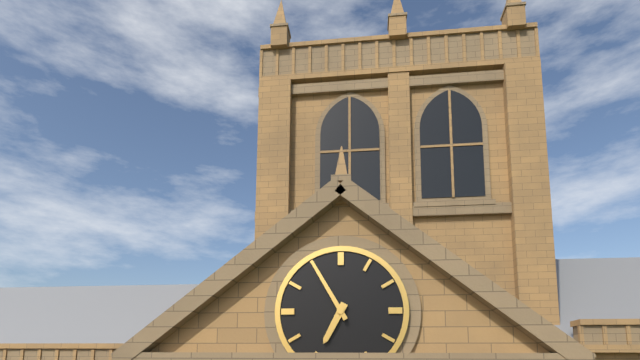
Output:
6,55
